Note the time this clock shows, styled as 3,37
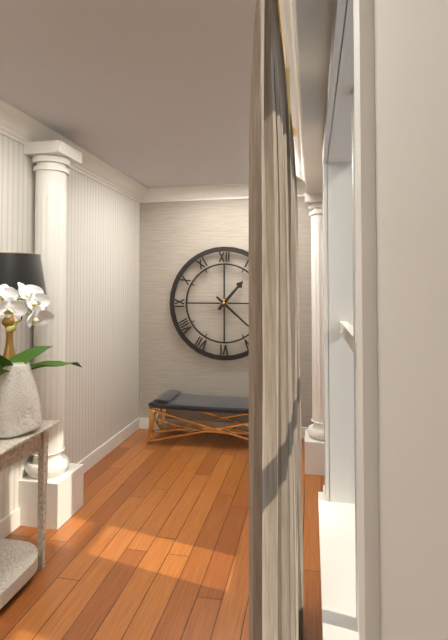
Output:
1,22
